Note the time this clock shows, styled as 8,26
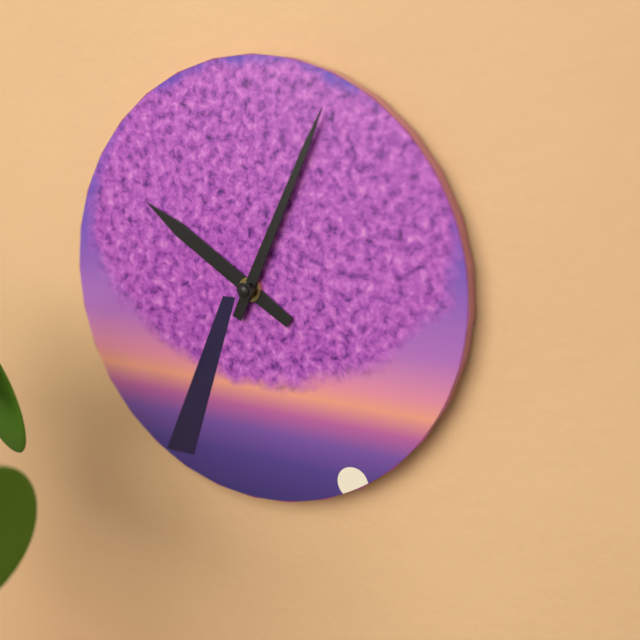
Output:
10,04
